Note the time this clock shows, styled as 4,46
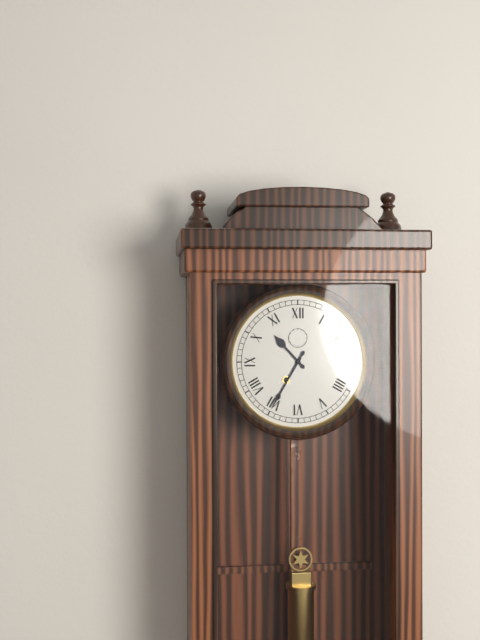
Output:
10,35
